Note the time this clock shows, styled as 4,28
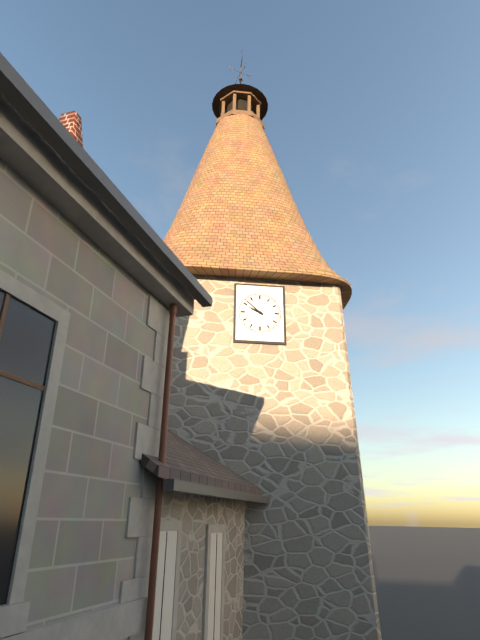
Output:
9,52
